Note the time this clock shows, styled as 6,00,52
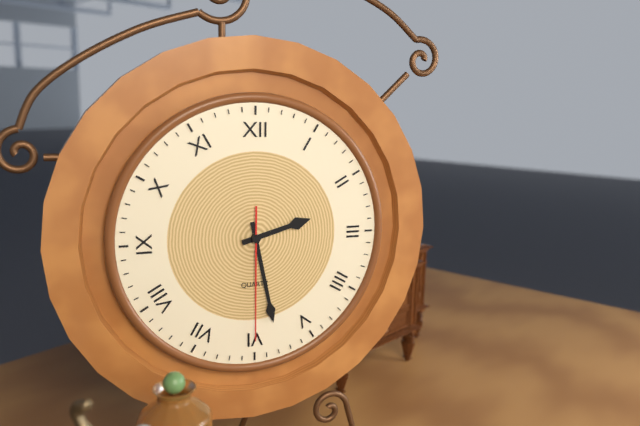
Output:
2,28,30
